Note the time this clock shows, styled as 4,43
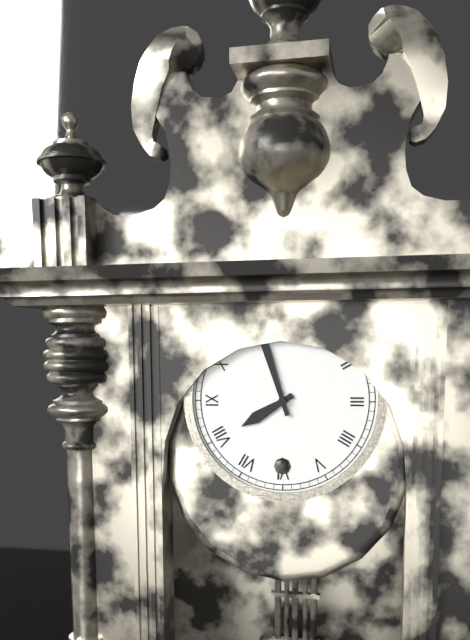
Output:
7,57
